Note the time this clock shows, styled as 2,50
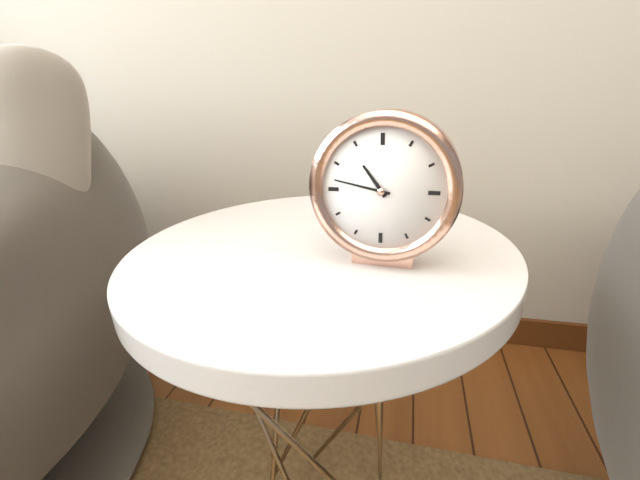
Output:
10,47
